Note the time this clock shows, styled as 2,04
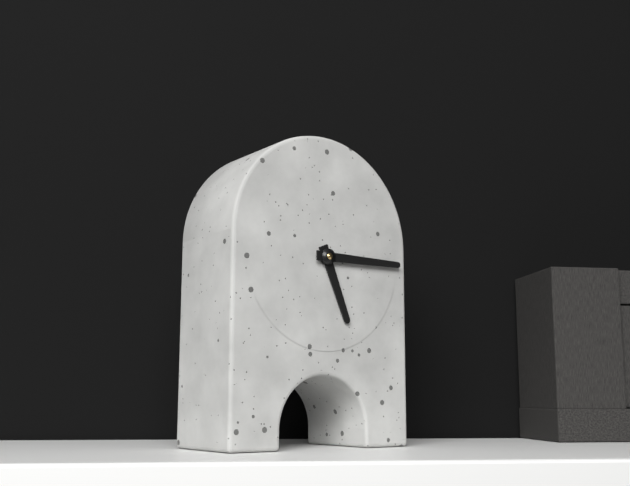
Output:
5,15
